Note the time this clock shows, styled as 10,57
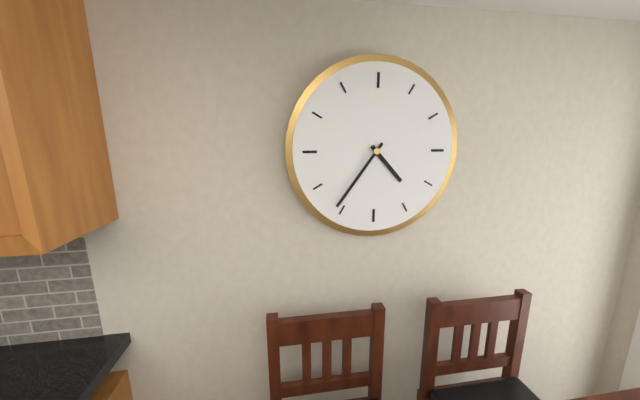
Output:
4,36
